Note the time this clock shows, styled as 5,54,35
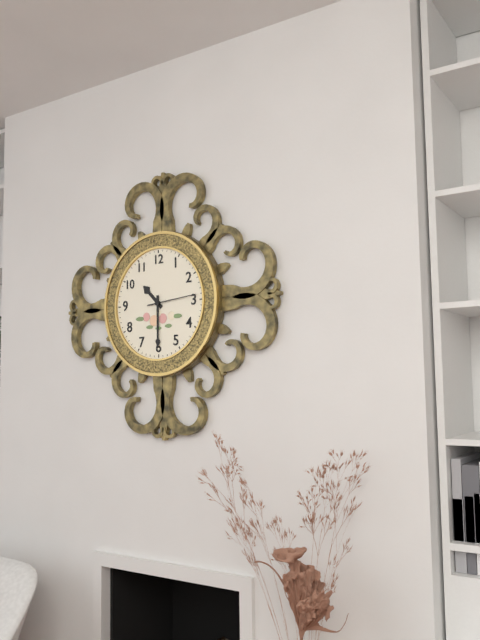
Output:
10,30,14
